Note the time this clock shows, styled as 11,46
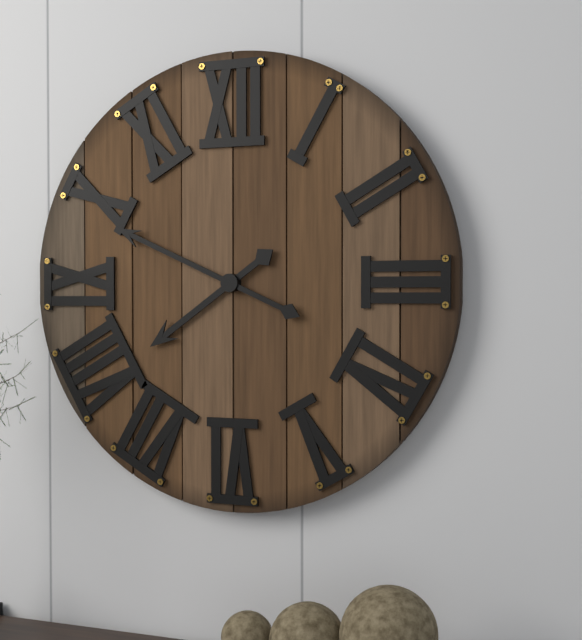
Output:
7,49
